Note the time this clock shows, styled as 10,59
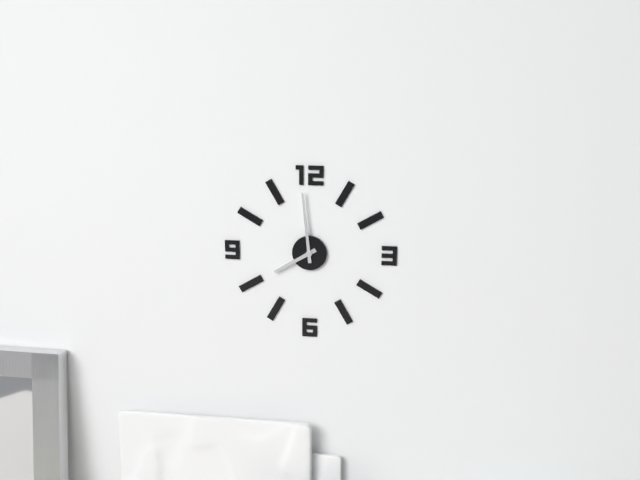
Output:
7,59
